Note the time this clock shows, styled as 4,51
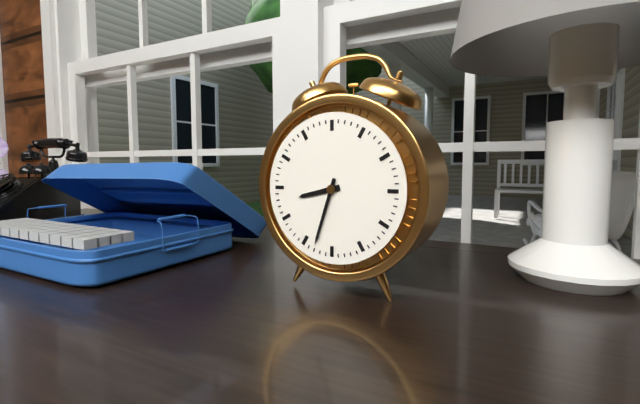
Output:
8,33
